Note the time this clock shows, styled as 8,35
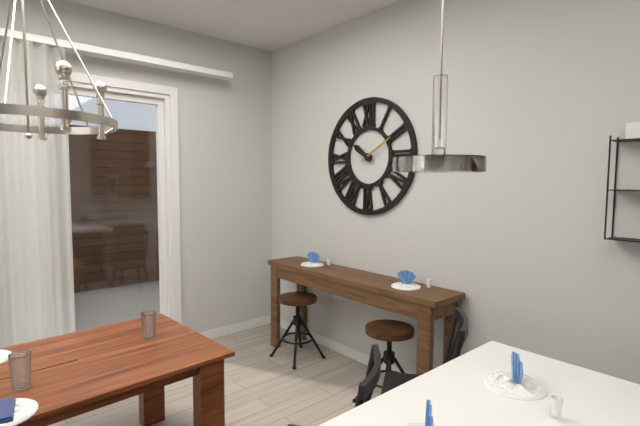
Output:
10,10
